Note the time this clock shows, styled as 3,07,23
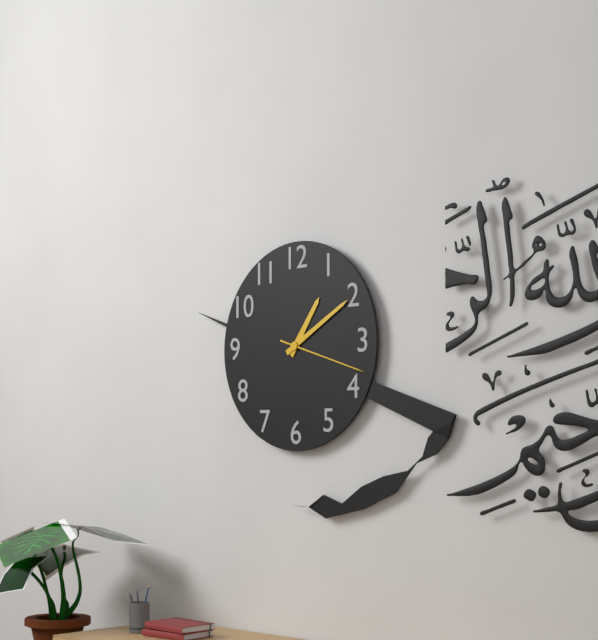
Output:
1,10,18
